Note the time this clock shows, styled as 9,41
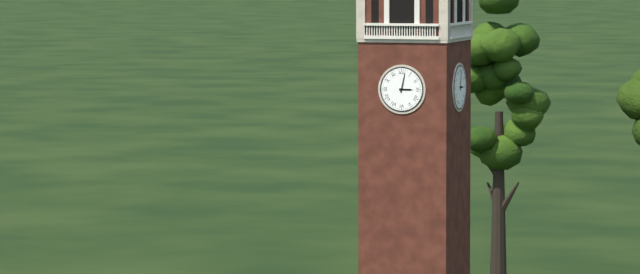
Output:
3,02
